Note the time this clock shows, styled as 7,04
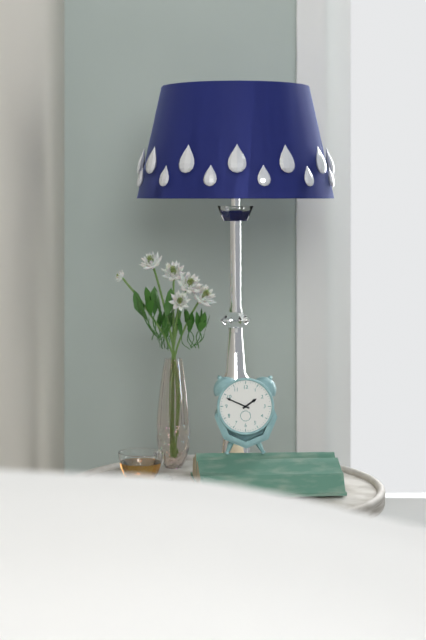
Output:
1,49
